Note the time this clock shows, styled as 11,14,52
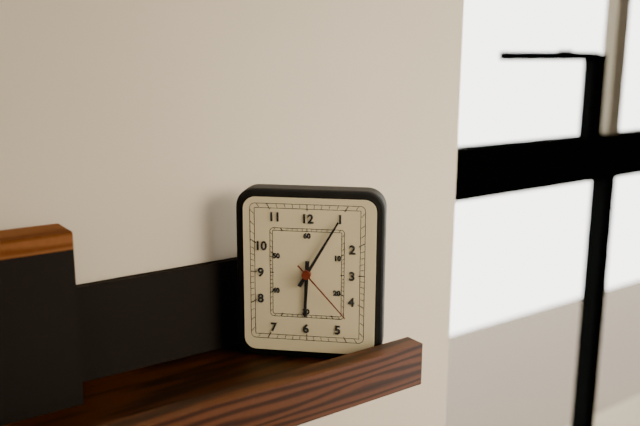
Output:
6,05,23
